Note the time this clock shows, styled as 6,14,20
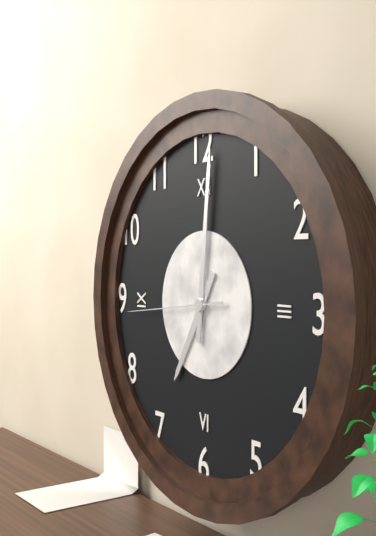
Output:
7,01,44
